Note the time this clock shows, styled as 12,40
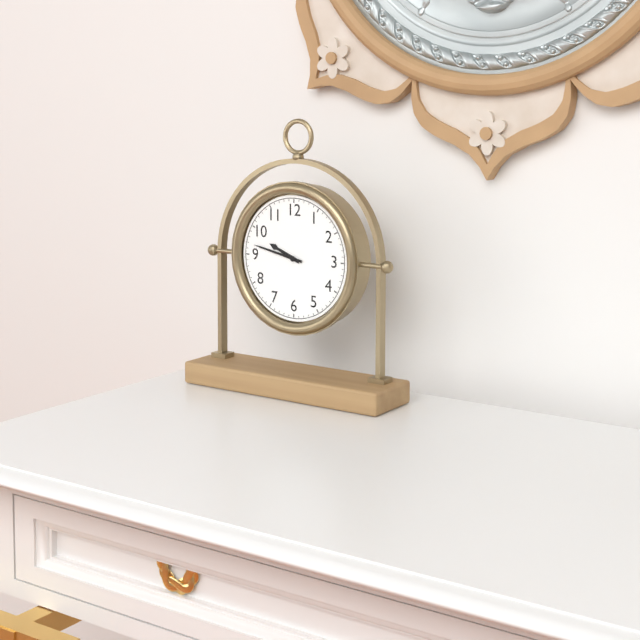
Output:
9,47
